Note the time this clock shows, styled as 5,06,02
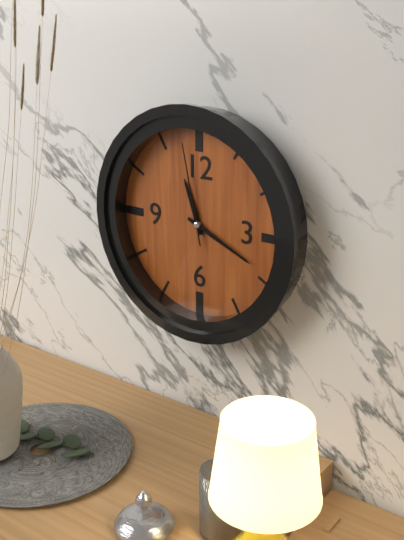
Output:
11,19,58
